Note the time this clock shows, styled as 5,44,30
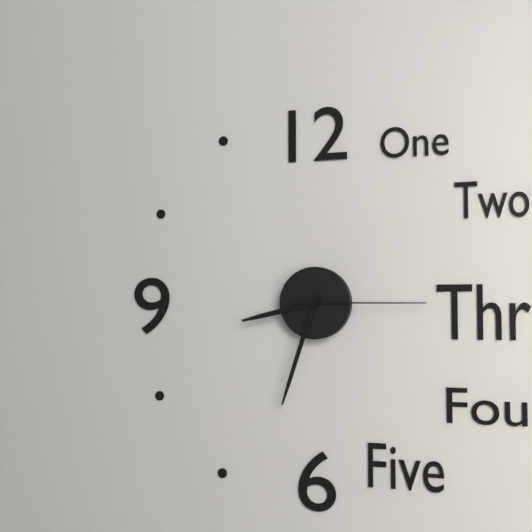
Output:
8,33,15
